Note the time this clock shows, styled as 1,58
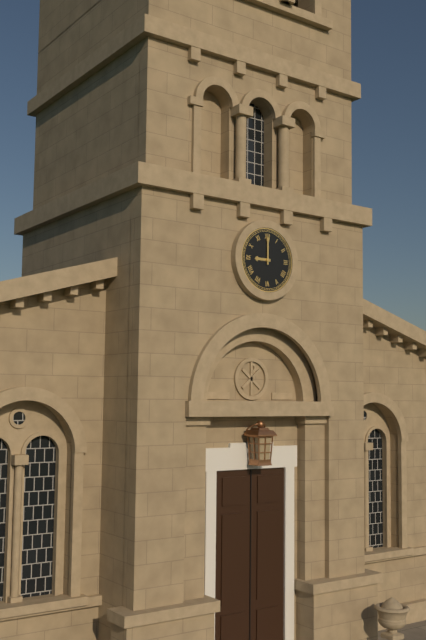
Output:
9,00
